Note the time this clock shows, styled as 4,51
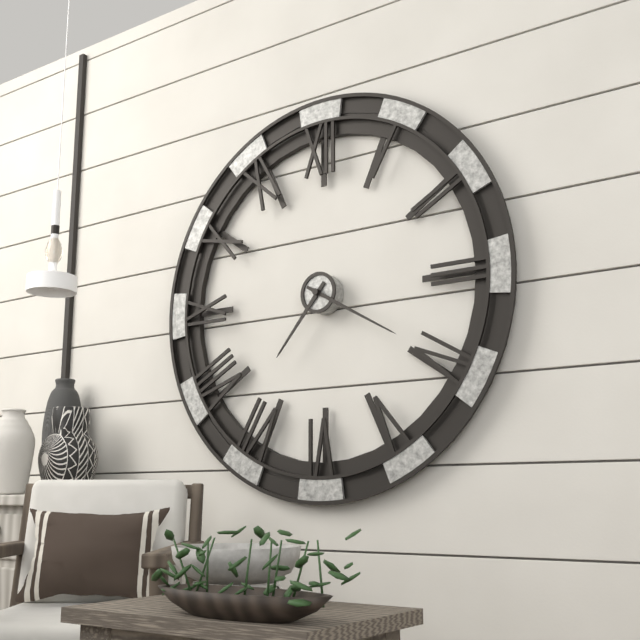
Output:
7,20
